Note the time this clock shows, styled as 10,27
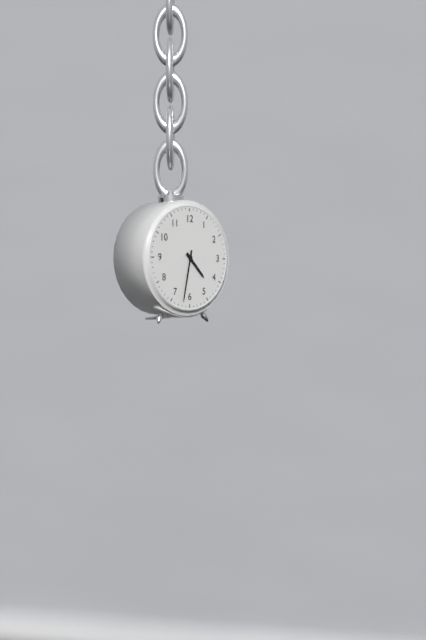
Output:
4,32
